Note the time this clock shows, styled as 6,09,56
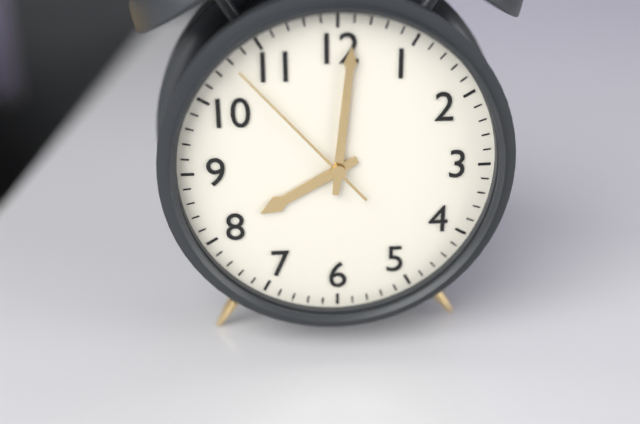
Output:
8,01,53
